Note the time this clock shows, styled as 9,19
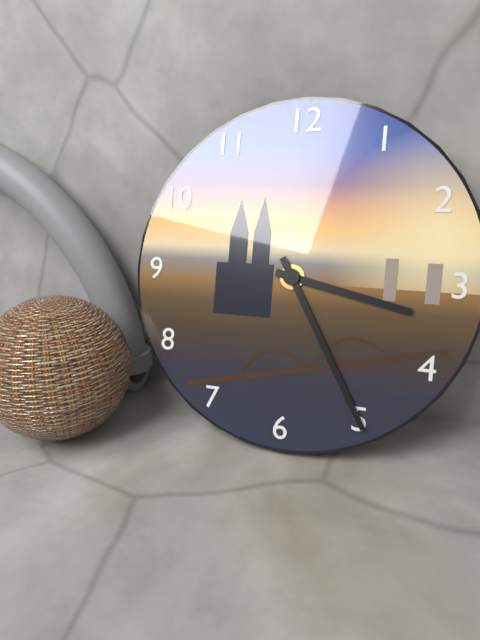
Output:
3,25
